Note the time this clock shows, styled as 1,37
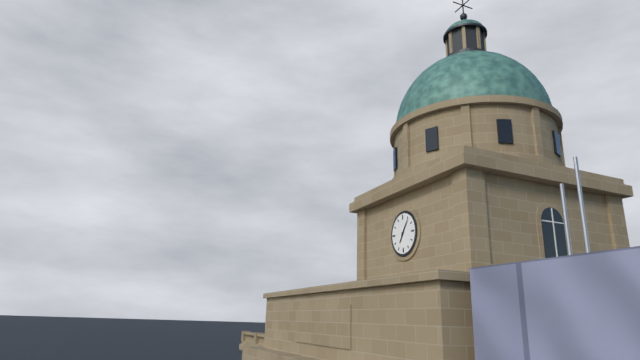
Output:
7,06
